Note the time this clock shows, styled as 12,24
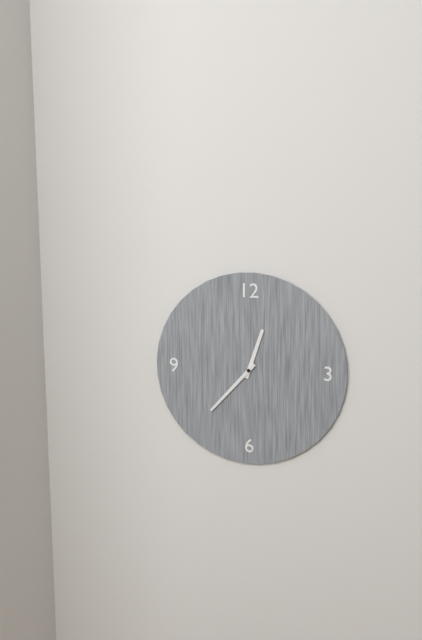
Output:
12,37
